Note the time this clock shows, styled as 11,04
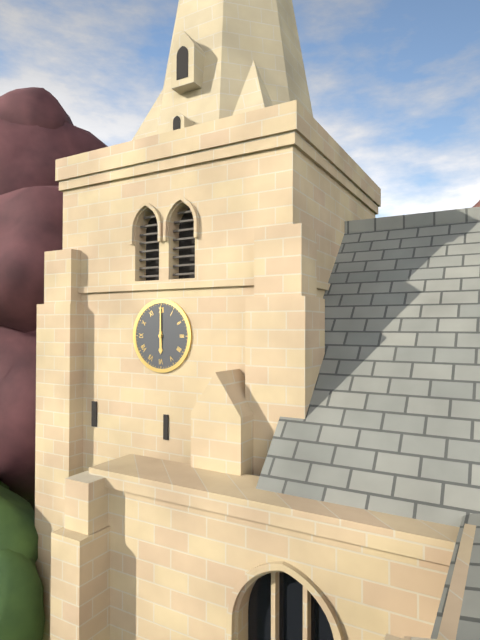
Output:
6,00
